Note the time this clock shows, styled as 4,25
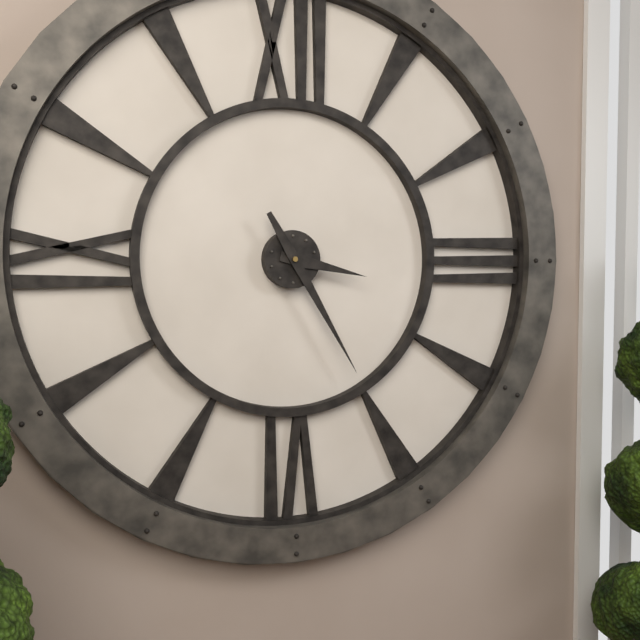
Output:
3,25
